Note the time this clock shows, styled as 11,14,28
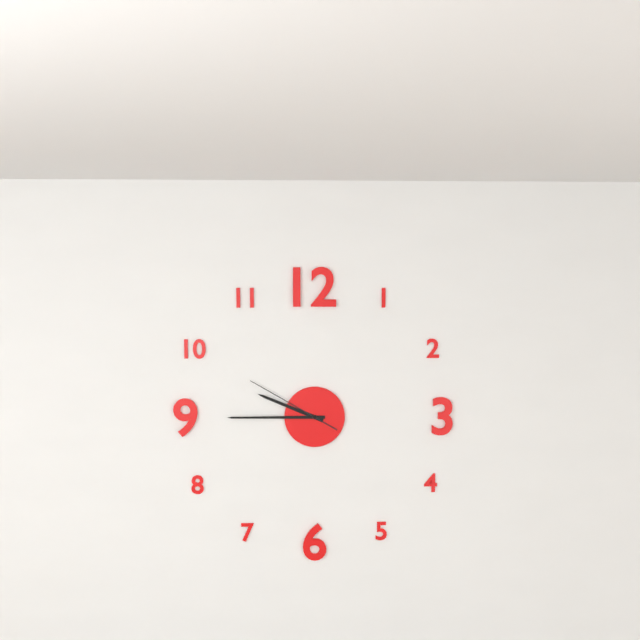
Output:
9,45,50
